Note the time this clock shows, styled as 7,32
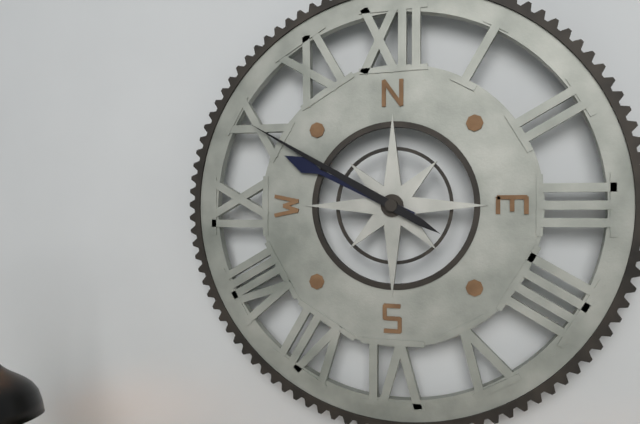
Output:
9,50
